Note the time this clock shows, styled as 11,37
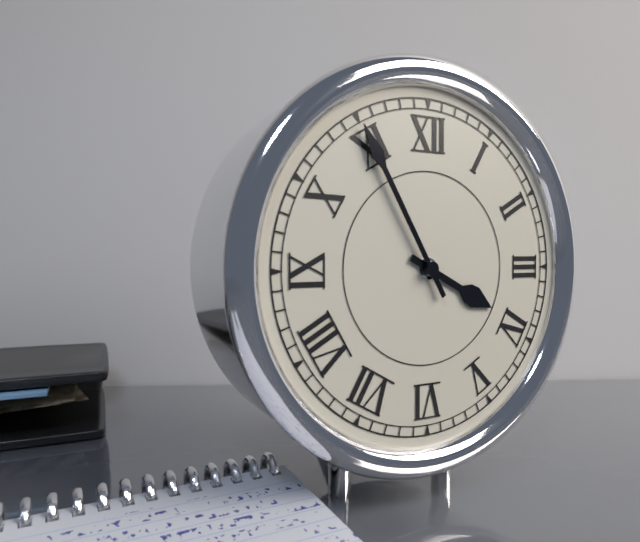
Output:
3,55
